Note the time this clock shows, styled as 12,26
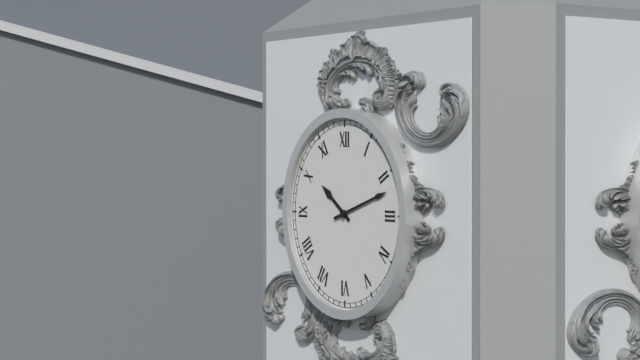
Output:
10,12
